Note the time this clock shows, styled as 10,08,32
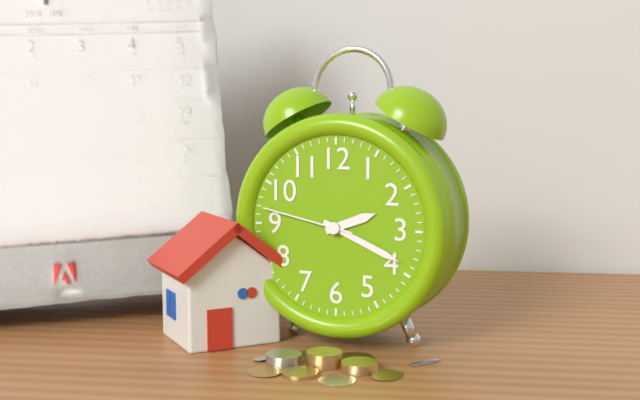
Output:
2,19,47
